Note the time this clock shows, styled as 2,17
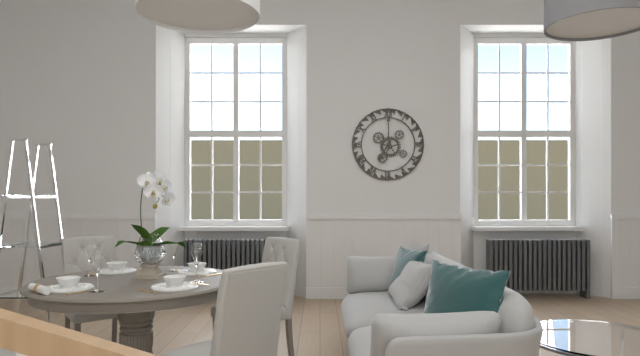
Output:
7,00
